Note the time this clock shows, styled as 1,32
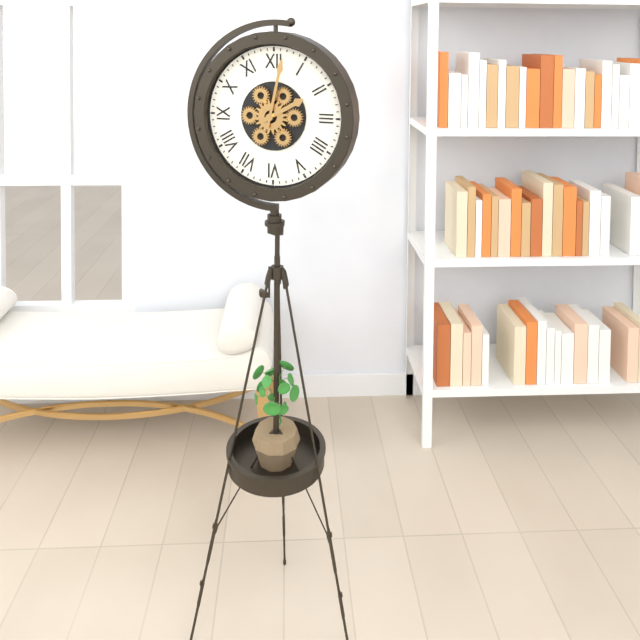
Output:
2,02
